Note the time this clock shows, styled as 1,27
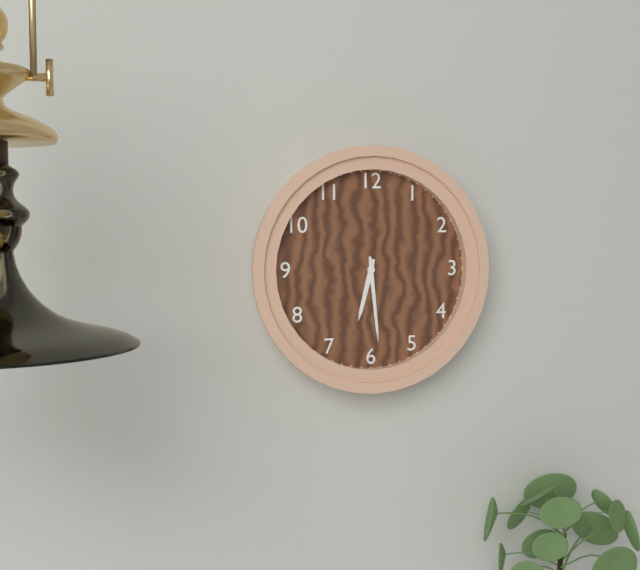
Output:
6,29
